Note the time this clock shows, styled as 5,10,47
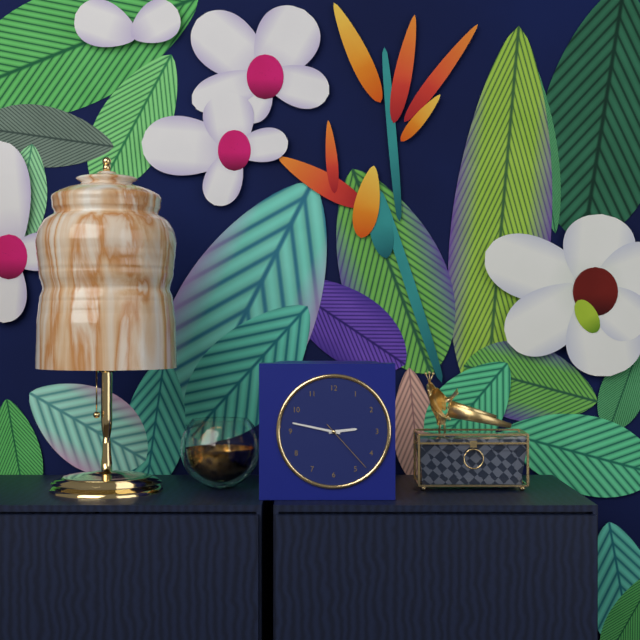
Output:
2,47,23
